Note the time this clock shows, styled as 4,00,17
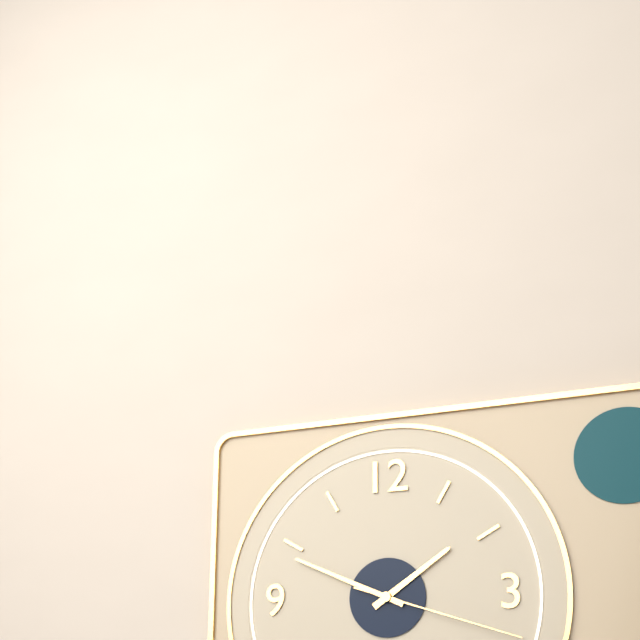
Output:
1,49,18
